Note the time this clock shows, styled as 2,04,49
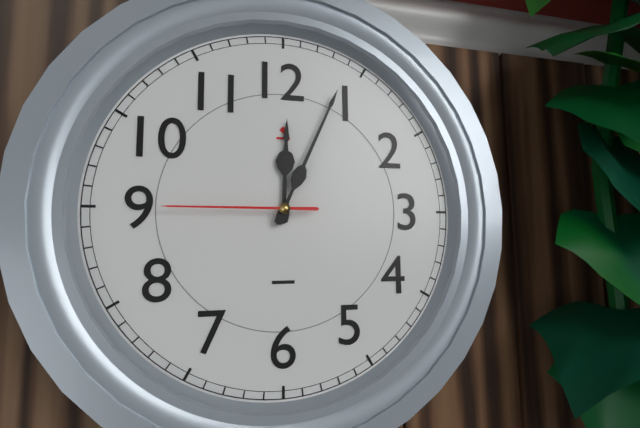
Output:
12,04,45
